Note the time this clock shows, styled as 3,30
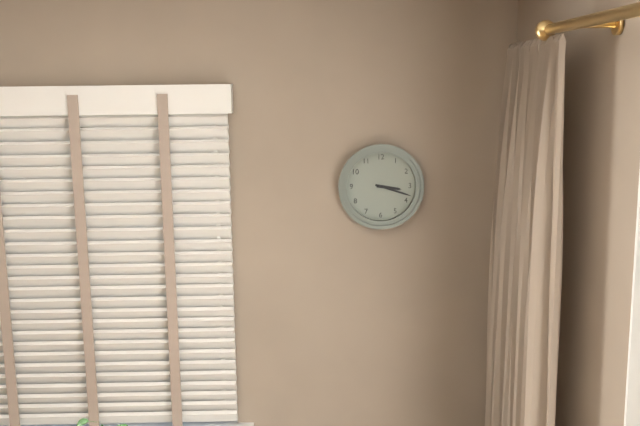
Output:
3,18
